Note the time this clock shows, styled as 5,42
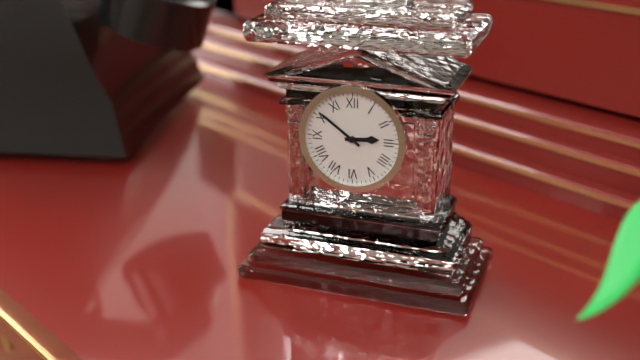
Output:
2,51
